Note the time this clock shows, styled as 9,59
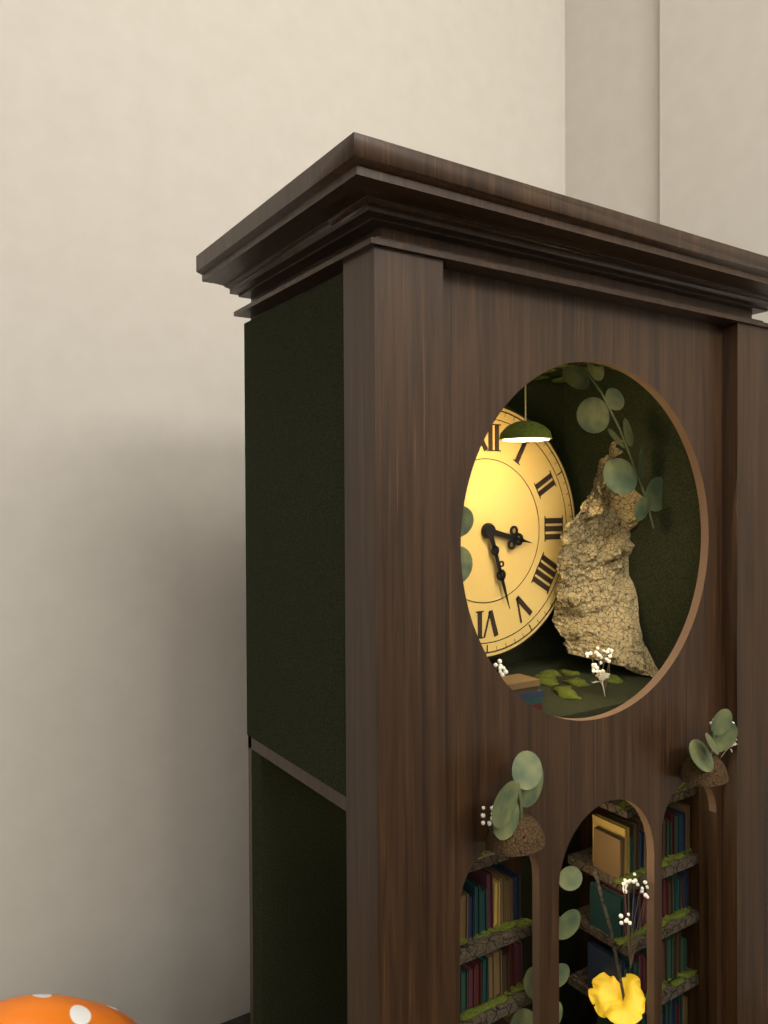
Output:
3,27
